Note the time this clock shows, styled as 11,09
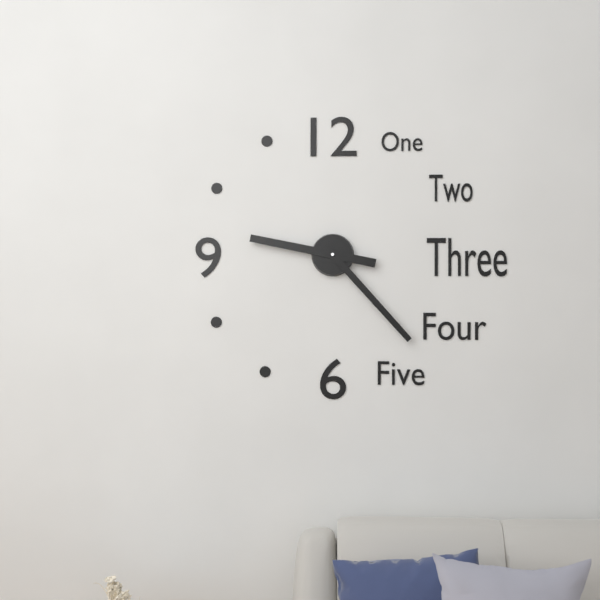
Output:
9,23
